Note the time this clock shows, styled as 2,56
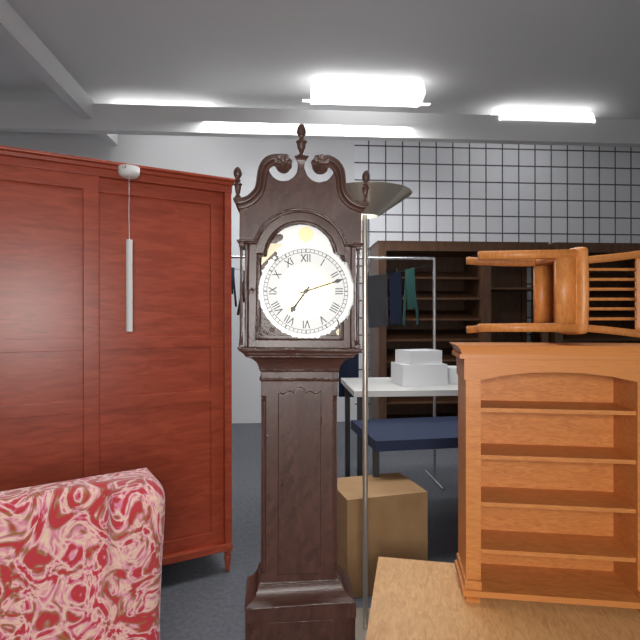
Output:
7,12
